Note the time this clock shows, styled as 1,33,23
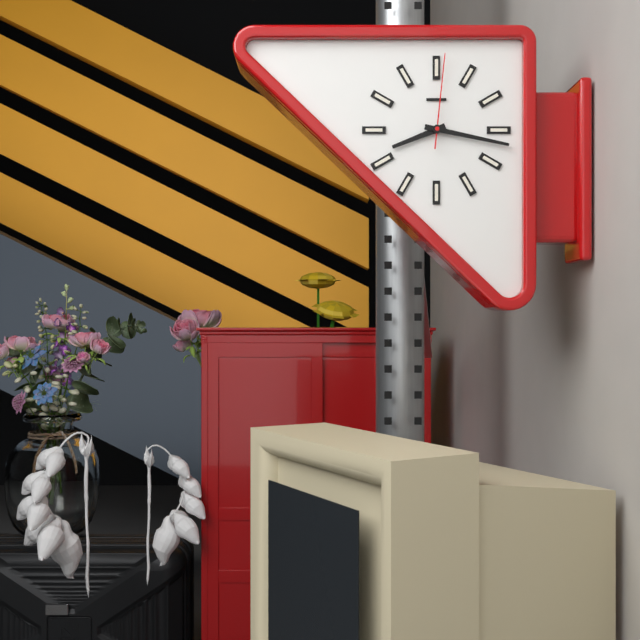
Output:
8,17,01
